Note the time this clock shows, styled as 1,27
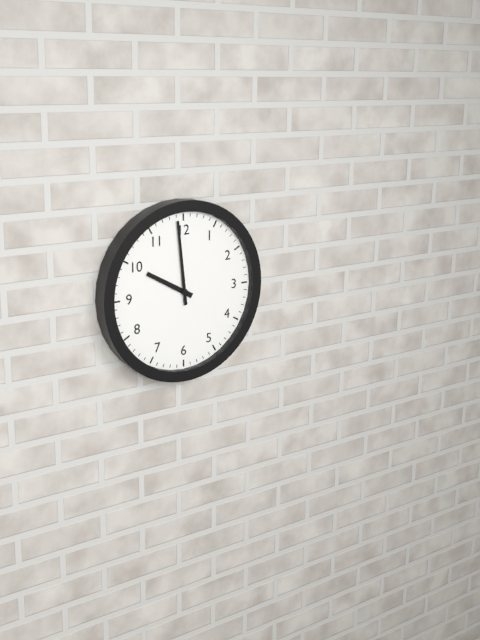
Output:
9,59
